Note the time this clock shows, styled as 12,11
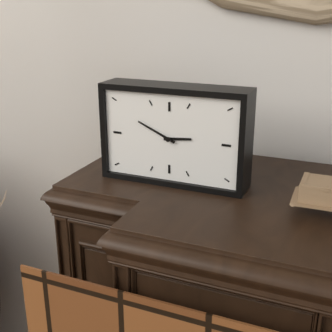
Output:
2,49
